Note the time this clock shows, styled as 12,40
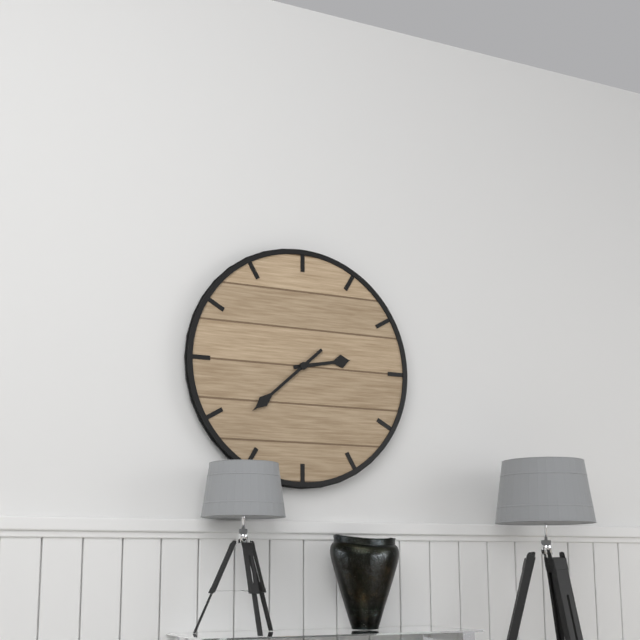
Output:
2,38
